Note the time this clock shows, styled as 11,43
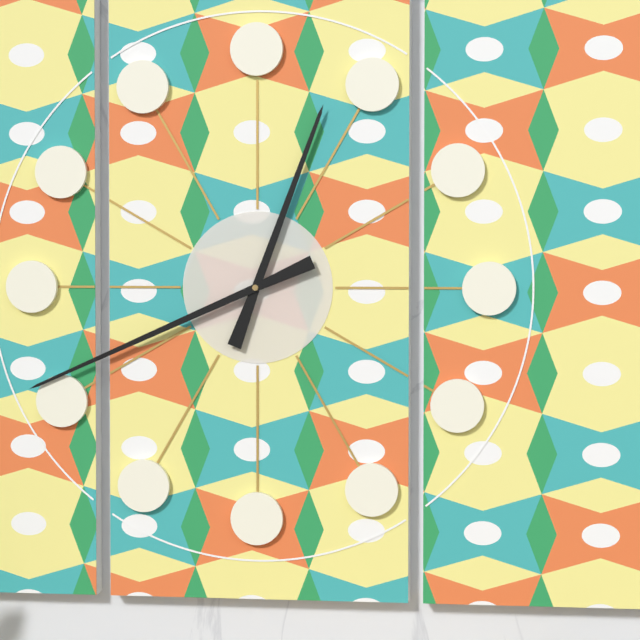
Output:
12,41
